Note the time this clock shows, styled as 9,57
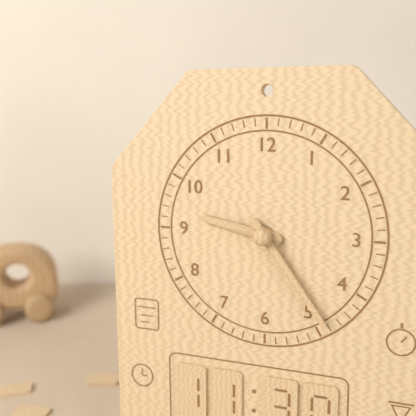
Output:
9,24
